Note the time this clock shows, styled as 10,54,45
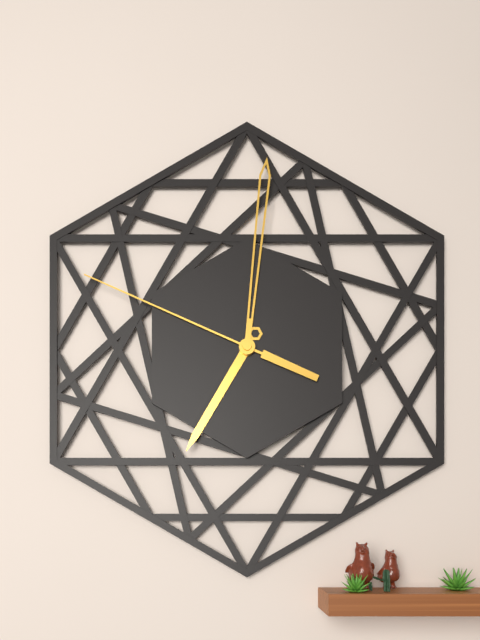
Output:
7,01,49
